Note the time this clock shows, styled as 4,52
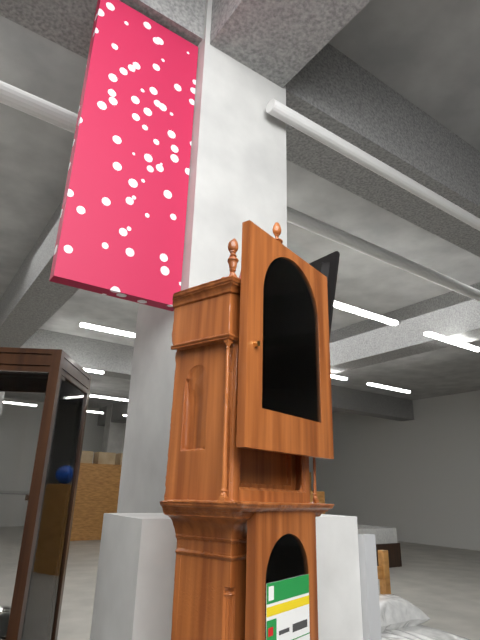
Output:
10,32
